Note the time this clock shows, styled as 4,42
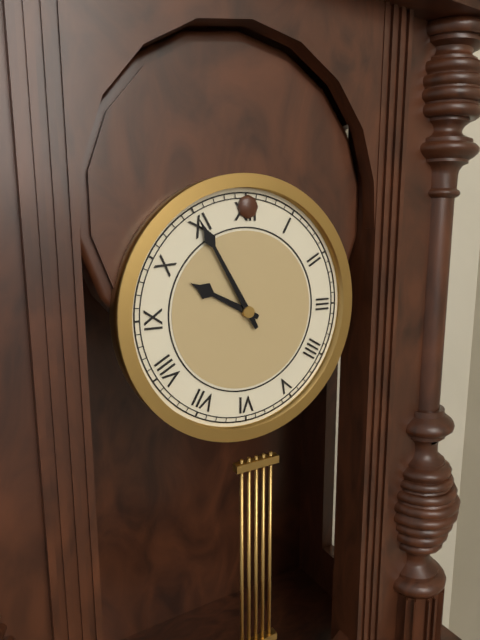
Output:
9,55
